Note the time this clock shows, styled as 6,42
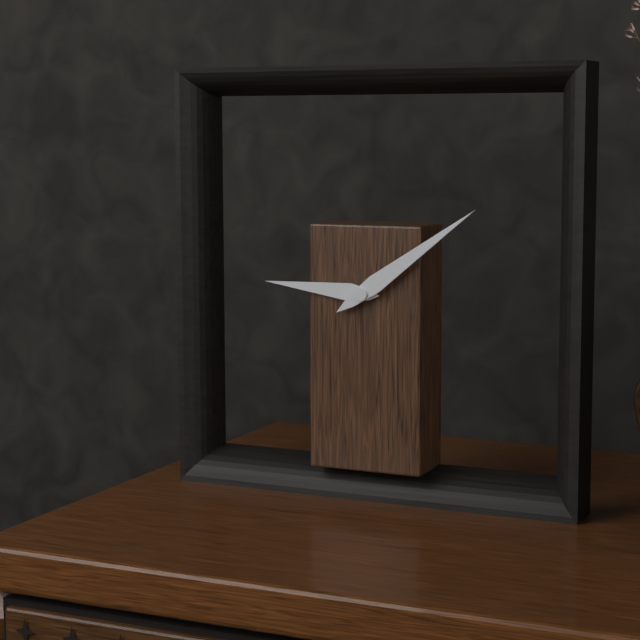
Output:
9,09
